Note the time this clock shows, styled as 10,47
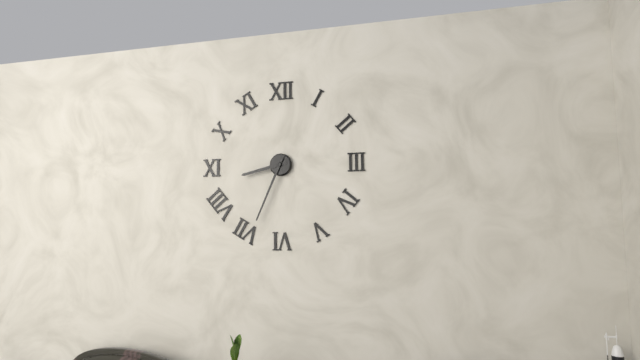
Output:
8,34
